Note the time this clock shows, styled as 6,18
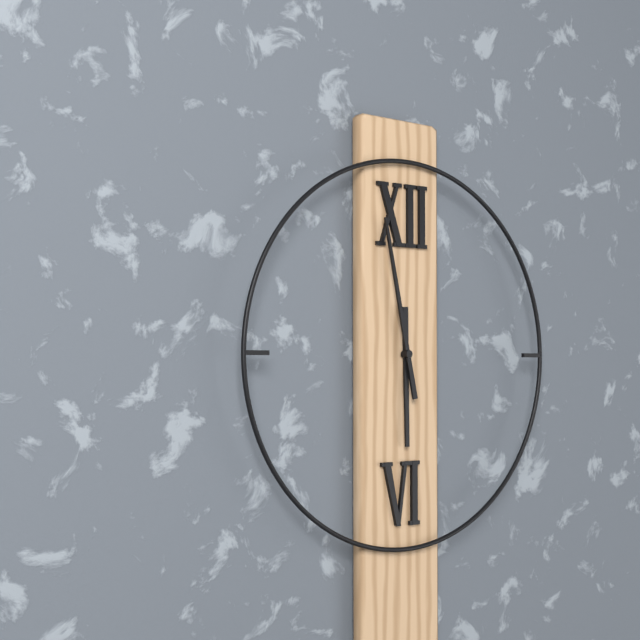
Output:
5,58
